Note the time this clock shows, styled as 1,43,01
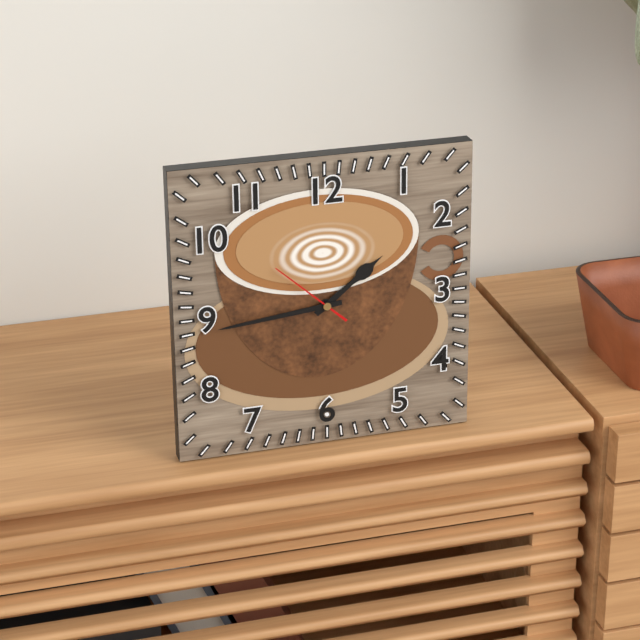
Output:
1,44,52
